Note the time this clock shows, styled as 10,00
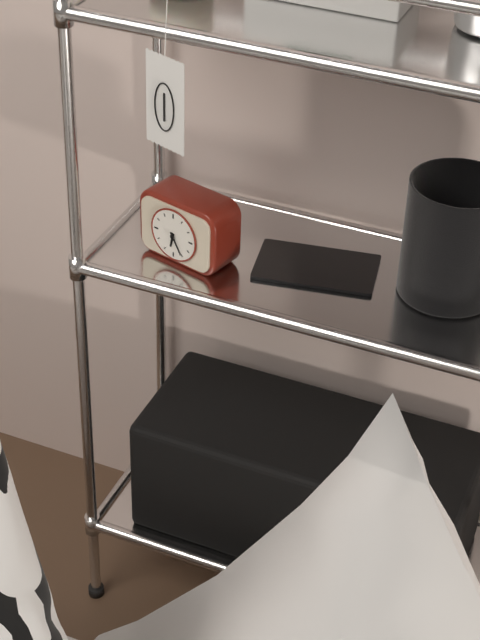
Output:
6,25
